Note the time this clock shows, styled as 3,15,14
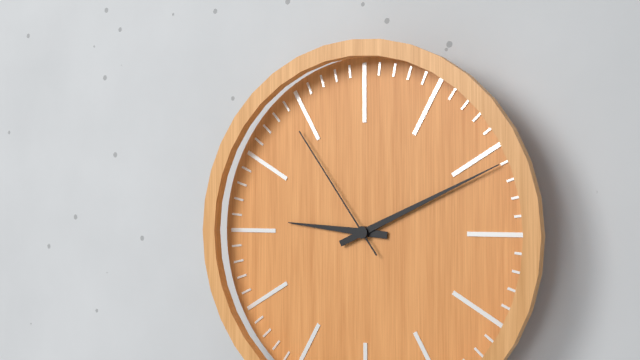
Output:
9,11,54
